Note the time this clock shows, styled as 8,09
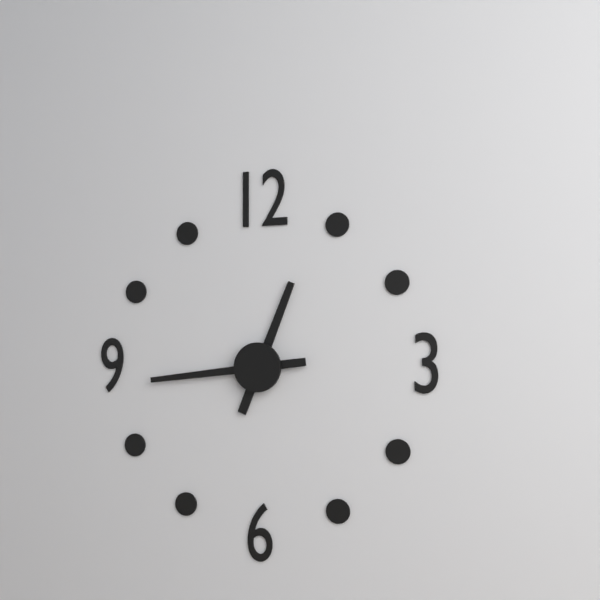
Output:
12,44
